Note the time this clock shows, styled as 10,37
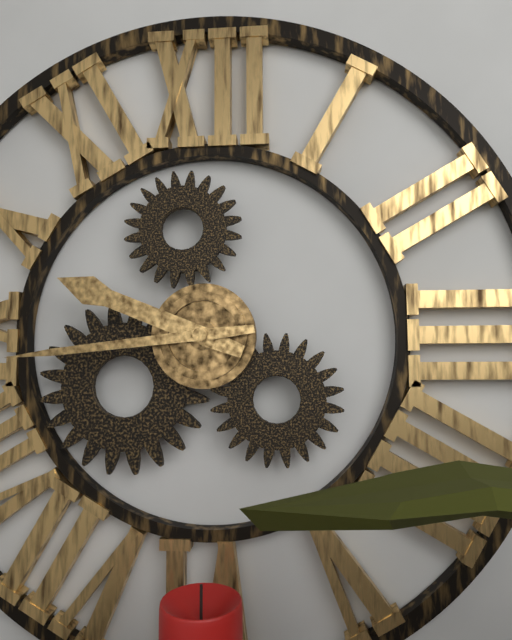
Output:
9,44
